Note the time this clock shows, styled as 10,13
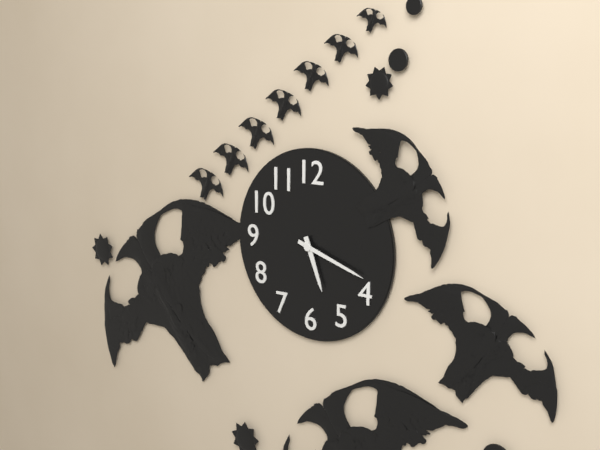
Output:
5,18
